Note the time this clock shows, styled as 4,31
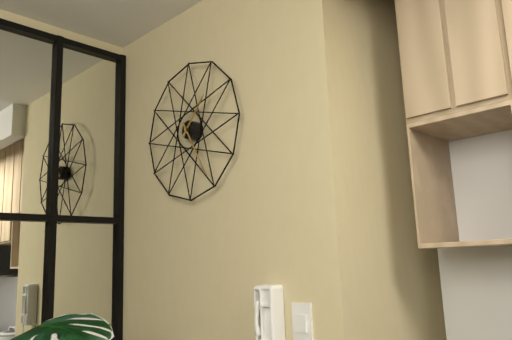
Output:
1,25
